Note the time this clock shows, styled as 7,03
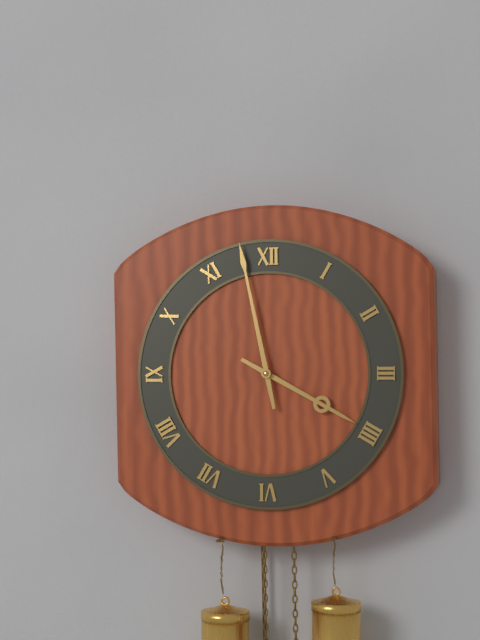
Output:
3,58
